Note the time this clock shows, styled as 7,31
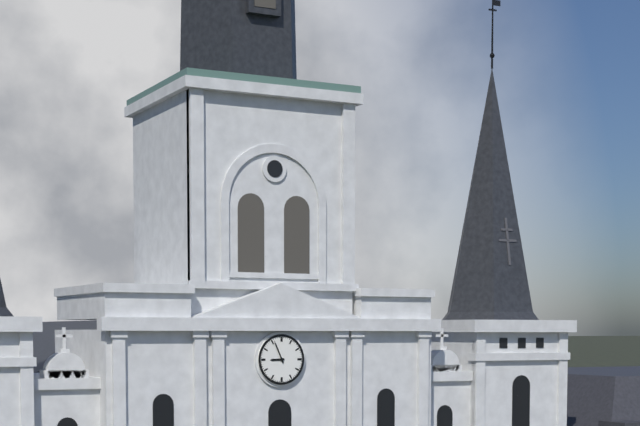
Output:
8,56
